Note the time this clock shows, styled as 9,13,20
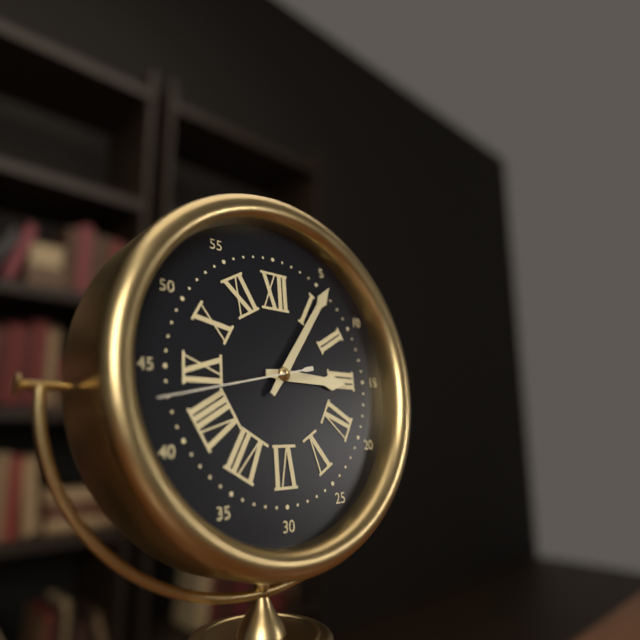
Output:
3,06,43
